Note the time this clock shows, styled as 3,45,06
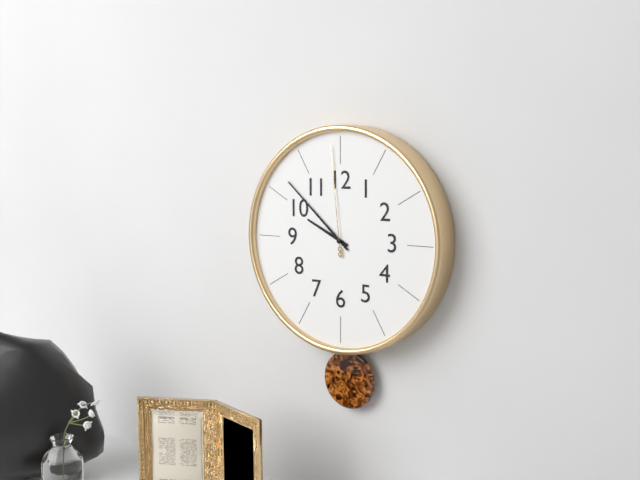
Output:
9,52,59
